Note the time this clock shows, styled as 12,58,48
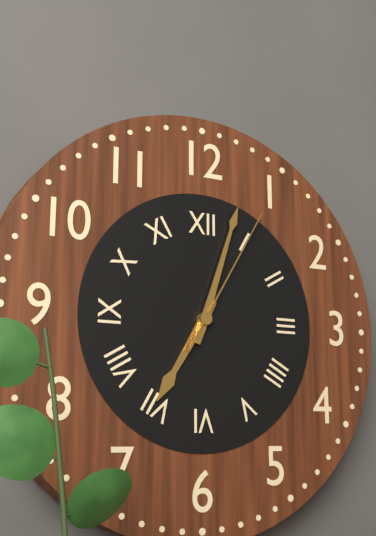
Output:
7,03,05
